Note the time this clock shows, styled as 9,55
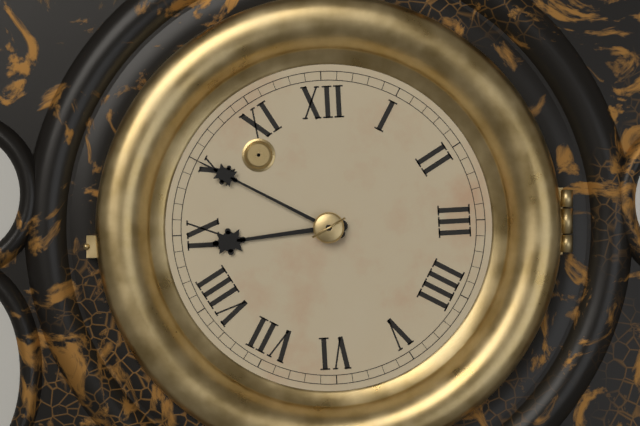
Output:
8,50
